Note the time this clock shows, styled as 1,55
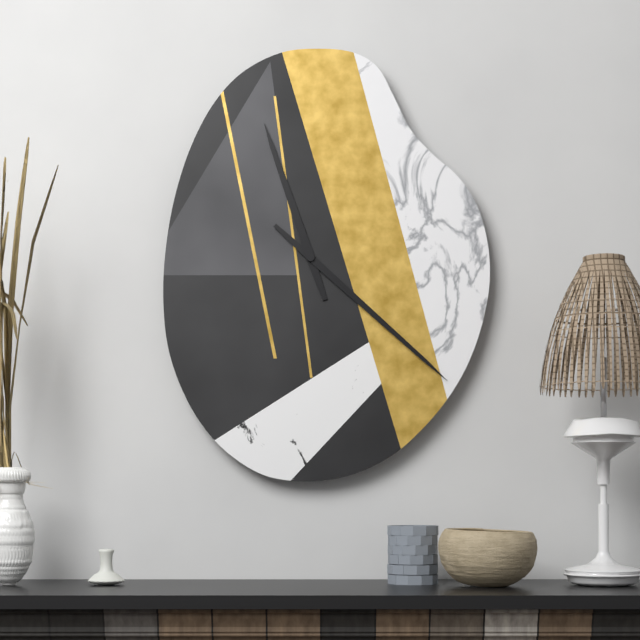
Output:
11,22
